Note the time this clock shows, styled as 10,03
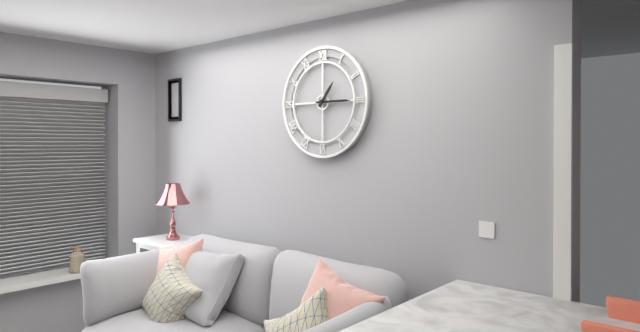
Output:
1,15
